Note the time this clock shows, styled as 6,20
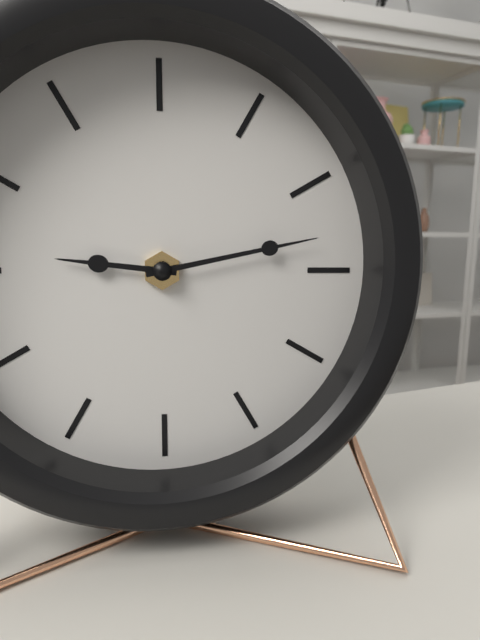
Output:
9,13
